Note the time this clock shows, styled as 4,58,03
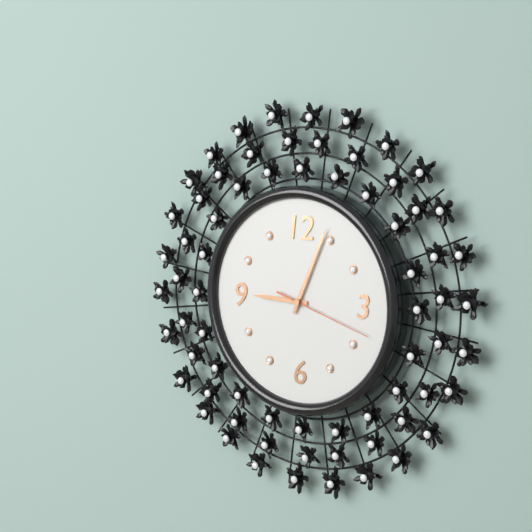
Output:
9,04,18
